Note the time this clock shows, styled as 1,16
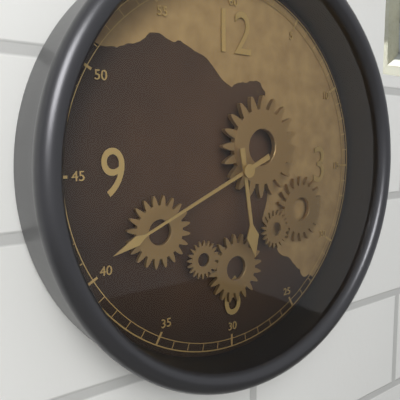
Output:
5,41
